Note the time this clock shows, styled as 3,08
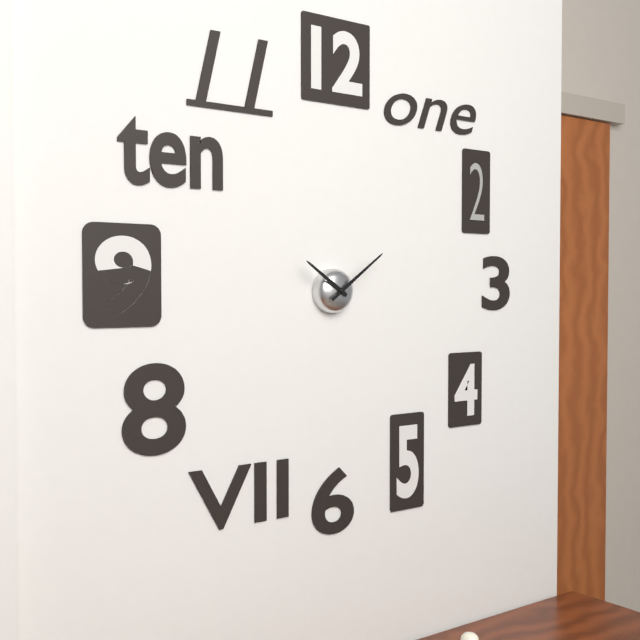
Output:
10,09
